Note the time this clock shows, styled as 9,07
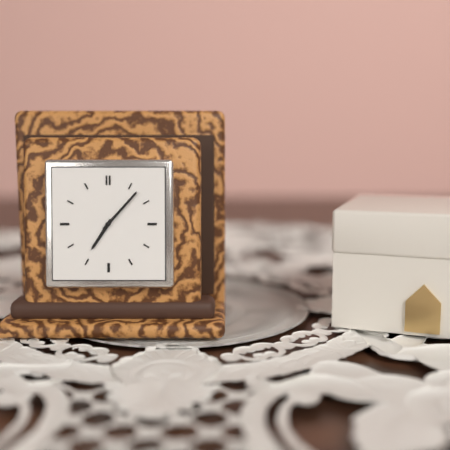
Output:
7,07
